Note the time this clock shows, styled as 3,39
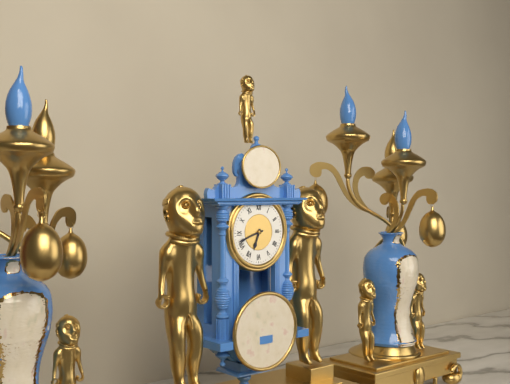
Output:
6,42
